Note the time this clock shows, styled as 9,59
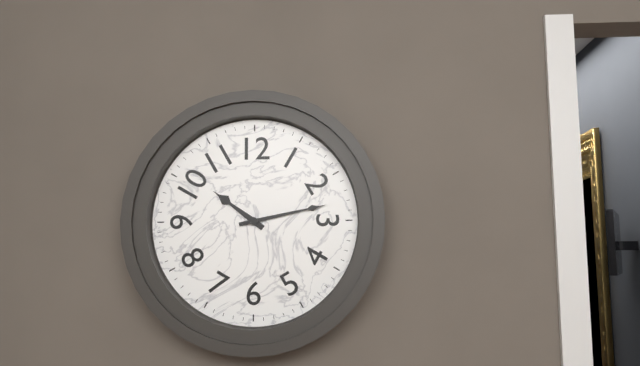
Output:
10,13
